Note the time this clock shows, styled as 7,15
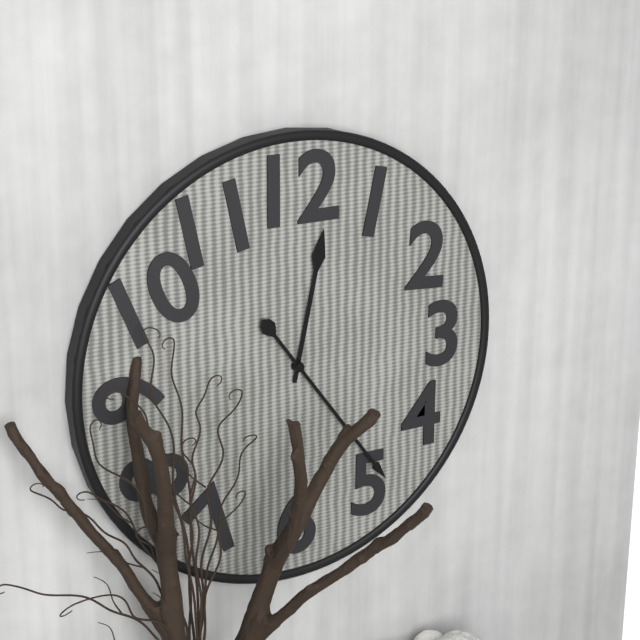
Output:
12,24
